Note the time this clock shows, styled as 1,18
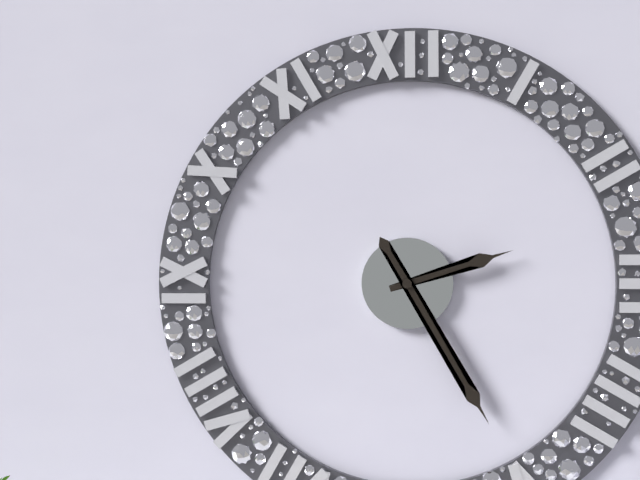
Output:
2,25
